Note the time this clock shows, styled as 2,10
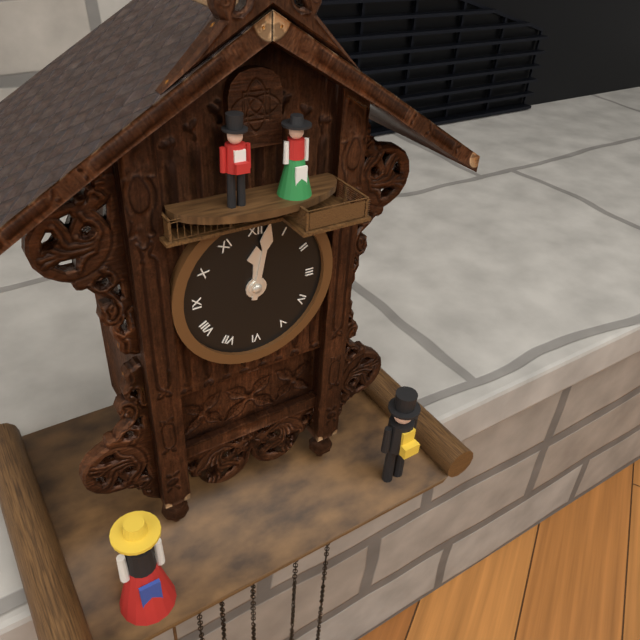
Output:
12,02
